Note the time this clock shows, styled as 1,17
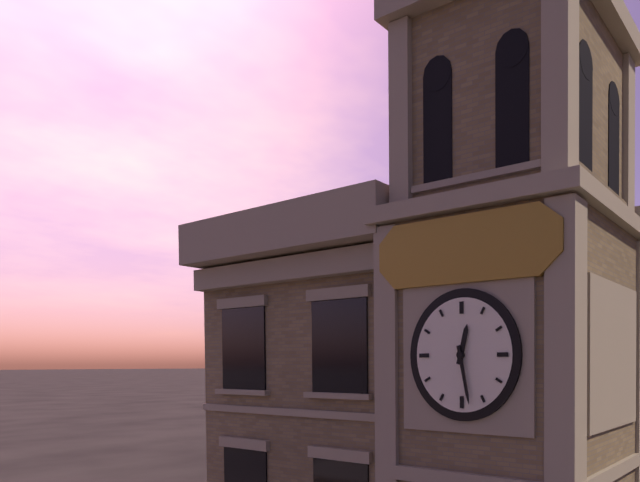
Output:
12,28
